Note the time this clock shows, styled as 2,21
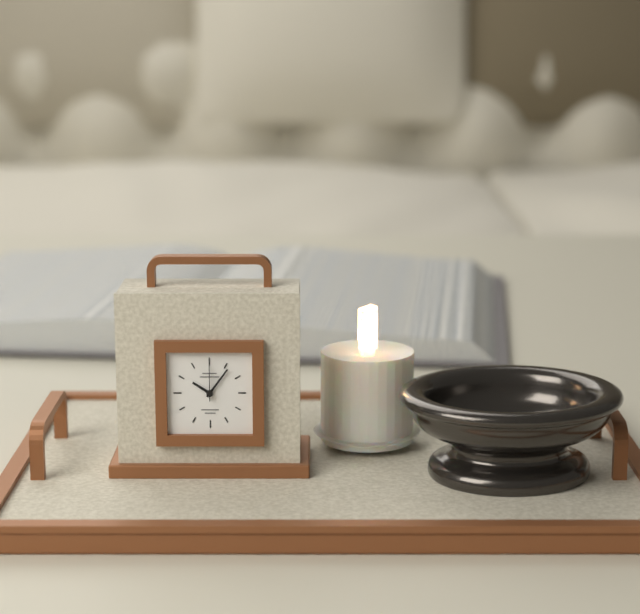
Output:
10,06
